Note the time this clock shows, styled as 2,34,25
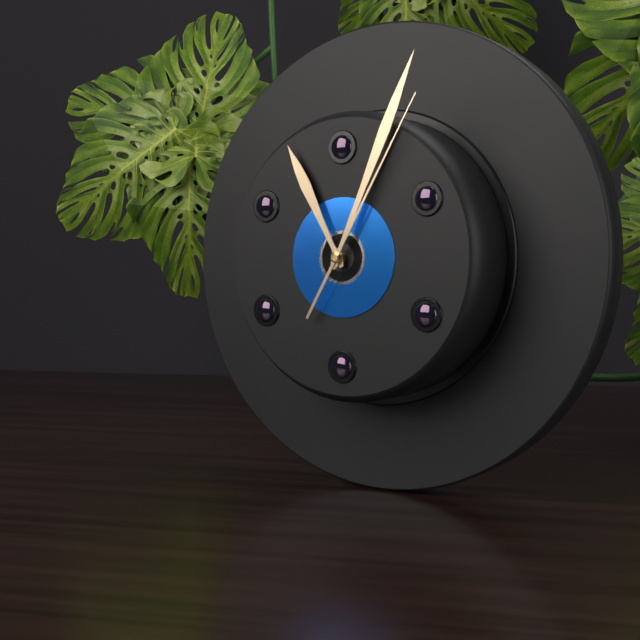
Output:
11,04,05
